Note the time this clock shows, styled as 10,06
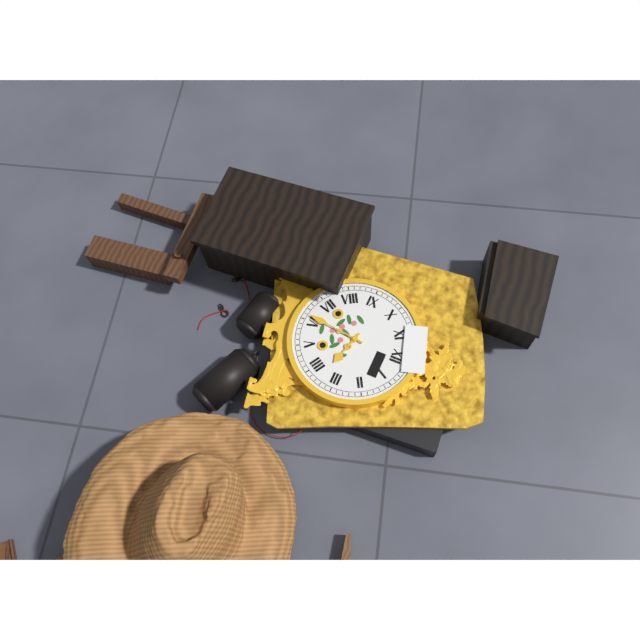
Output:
3,31
